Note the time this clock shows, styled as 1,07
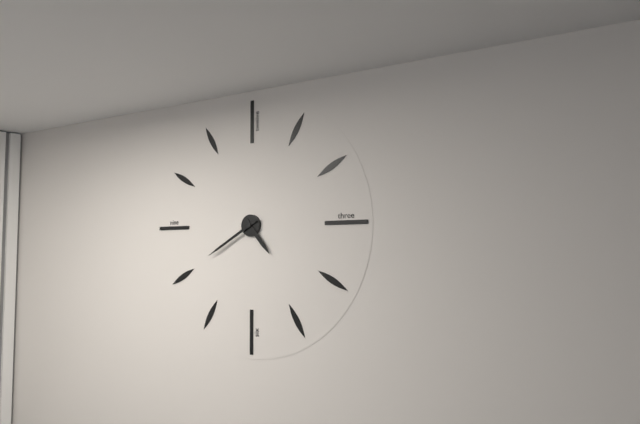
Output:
4,40
